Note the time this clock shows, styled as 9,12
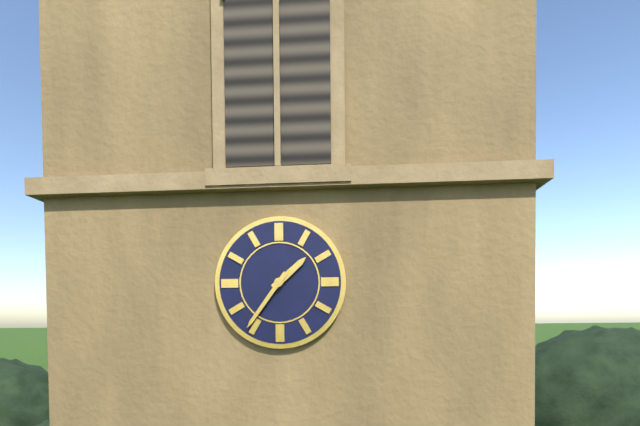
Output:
1,36
